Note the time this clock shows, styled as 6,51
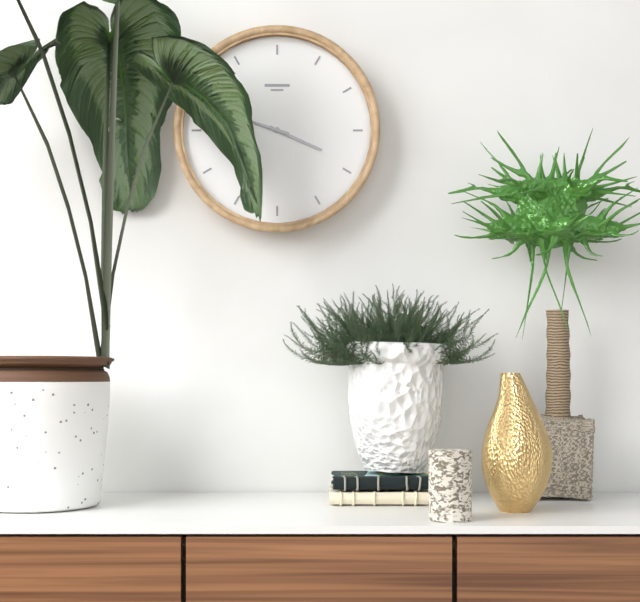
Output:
3,48
